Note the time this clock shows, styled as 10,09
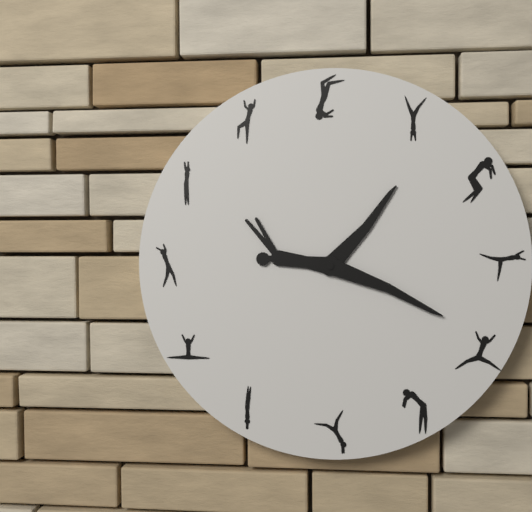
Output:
1,19
